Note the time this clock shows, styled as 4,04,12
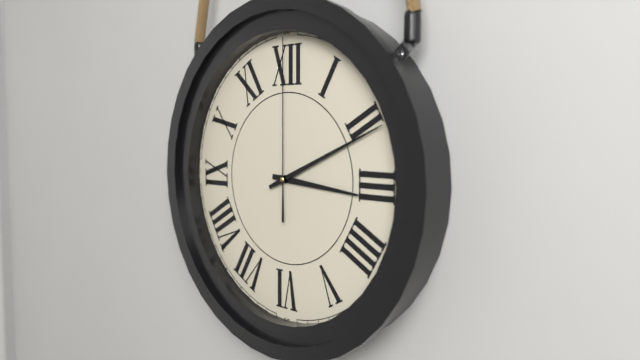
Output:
3,11,00
